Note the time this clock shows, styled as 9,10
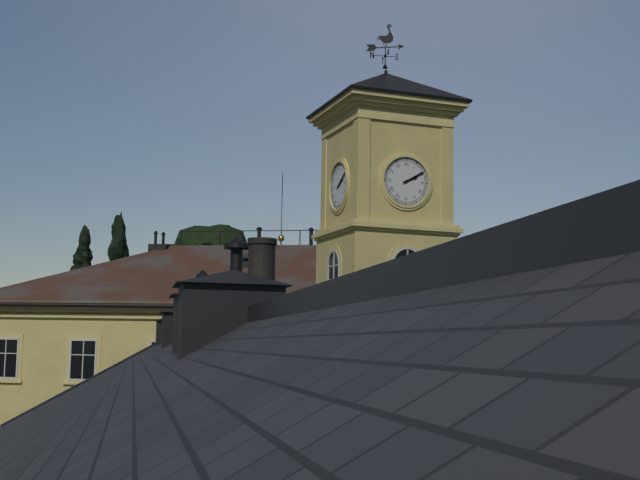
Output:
2,10
